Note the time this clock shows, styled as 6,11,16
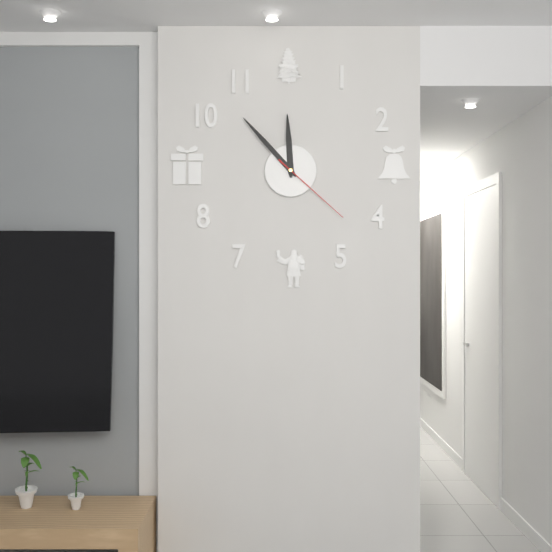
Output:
11,53,22
